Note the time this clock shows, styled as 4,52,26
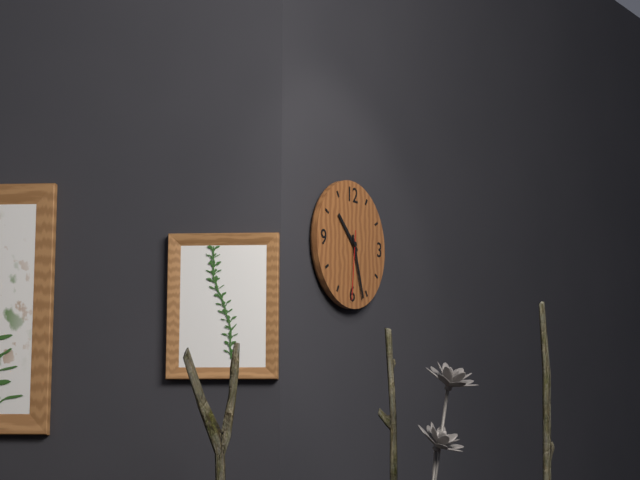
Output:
10,27,31
